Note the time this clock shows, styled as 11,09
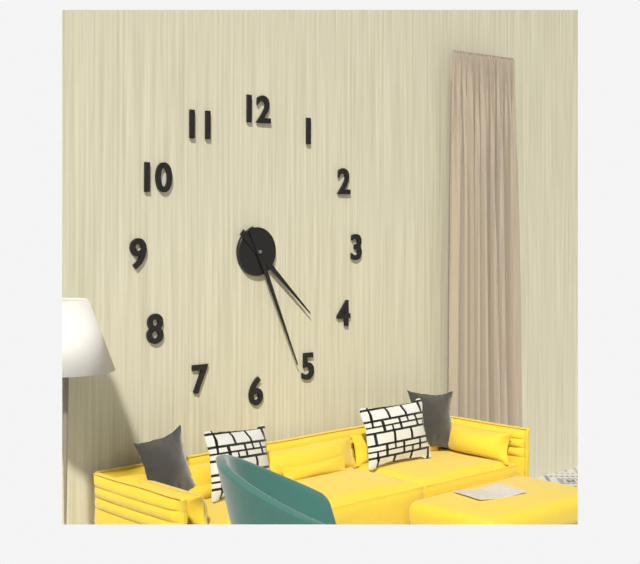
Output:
4,26
